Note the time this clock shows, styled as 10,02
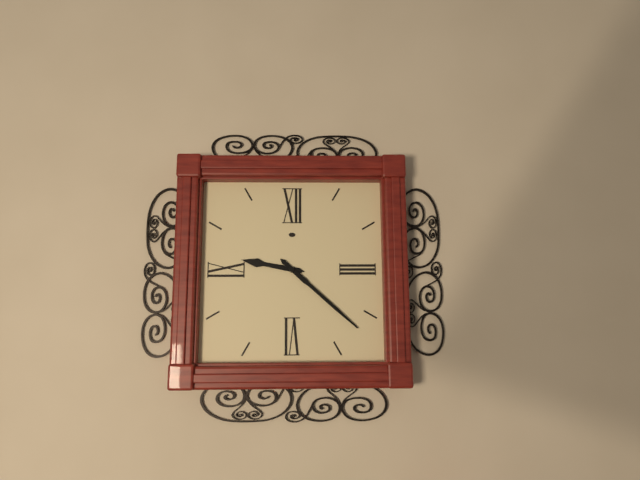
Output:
9,22
